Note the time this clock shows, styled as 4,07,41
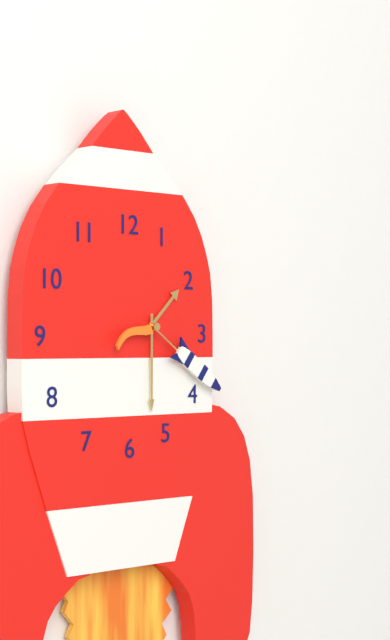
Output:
1,30,21
